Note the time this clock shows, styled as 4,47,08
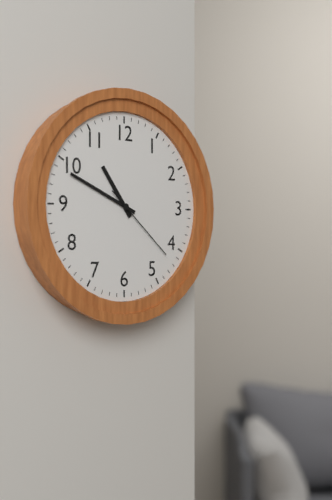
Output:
10,49,22
